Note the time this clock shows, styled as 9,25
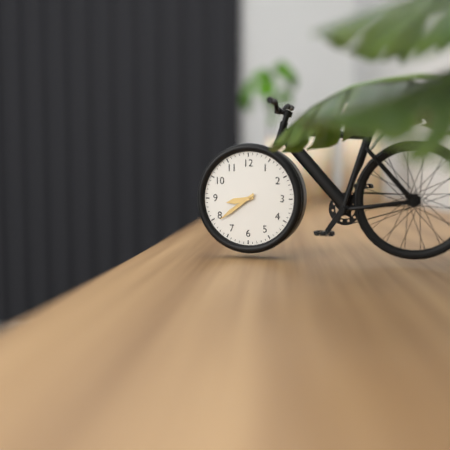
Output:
8,39
